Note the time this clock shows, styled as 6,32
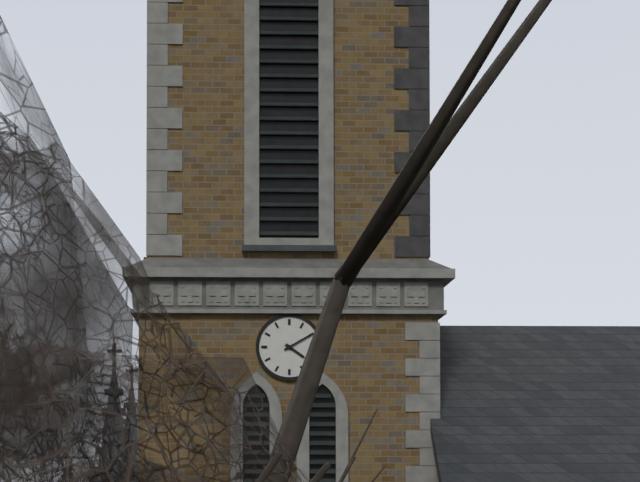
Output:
4,10
